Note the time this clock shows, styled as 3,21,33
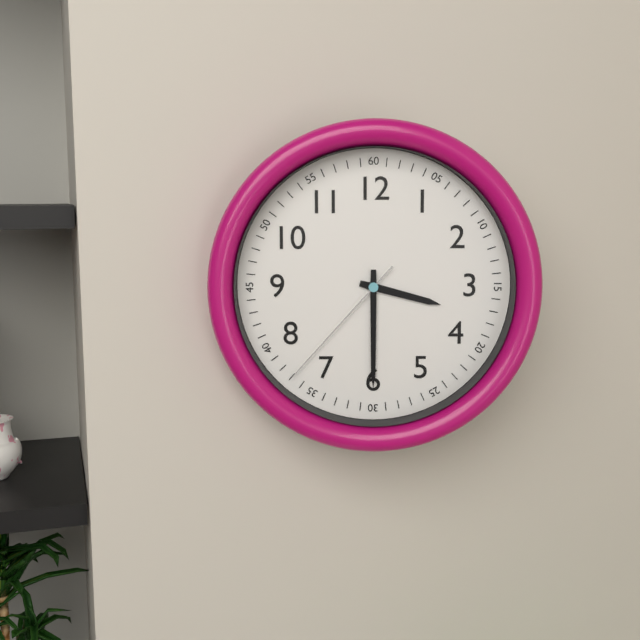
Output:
3,30,37
